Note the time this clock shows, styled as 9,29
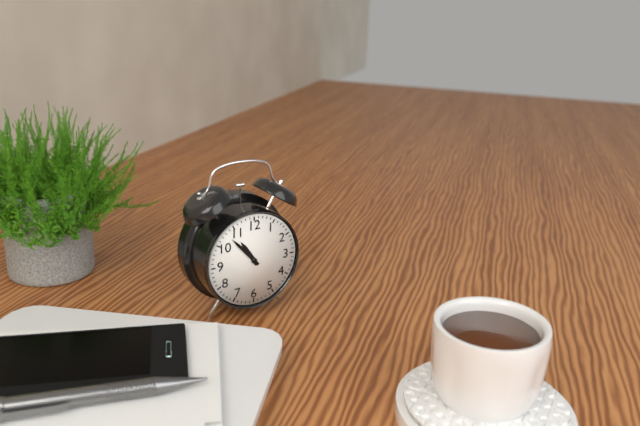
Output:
10,53
